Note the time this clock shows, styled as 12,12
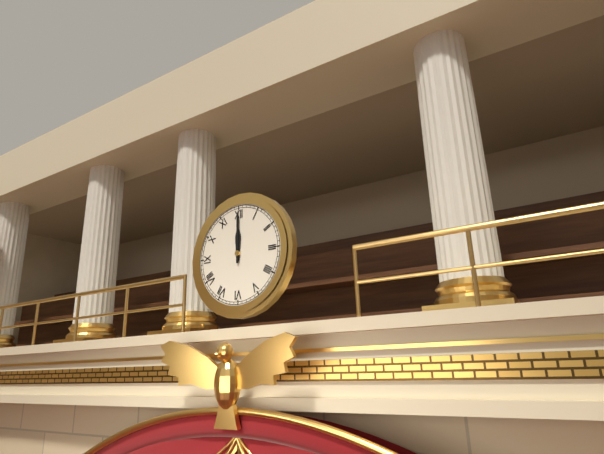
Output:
12,00
